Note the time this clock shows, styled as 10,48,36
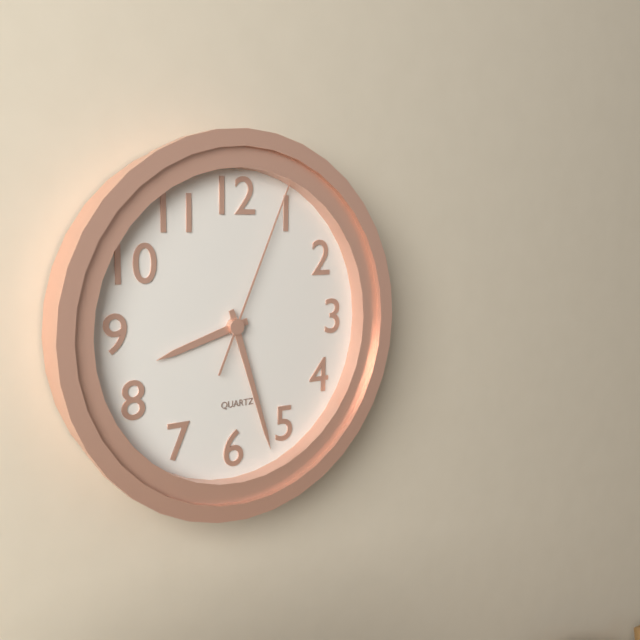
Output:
8,27,04
